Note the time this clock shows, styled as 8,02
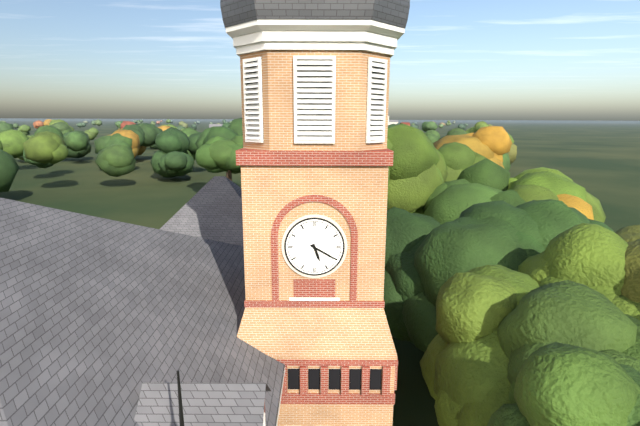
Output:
5,20
